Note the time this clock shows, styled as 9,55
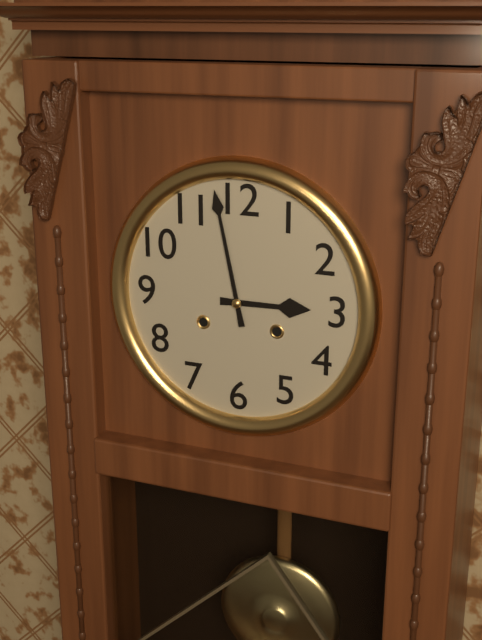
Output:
2,58
